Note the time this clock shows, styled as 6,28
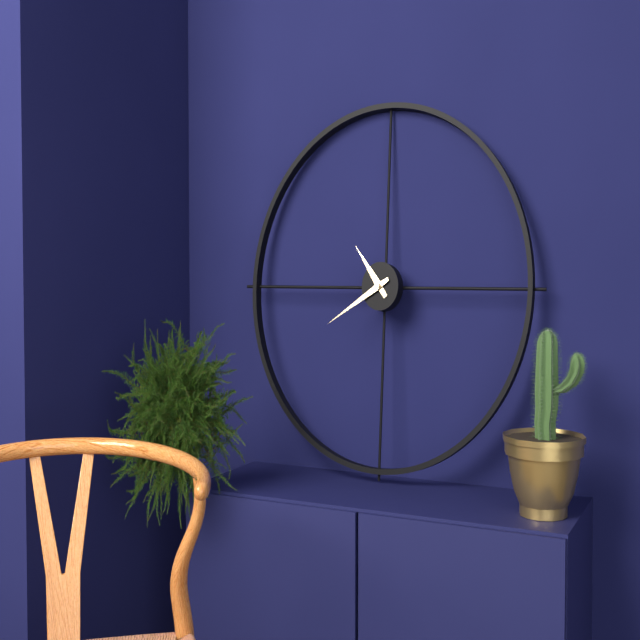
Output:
10,40
